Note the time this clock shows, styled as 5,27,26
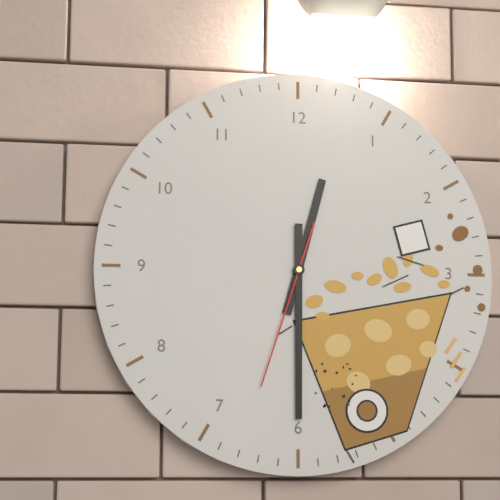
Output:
12,30,33
